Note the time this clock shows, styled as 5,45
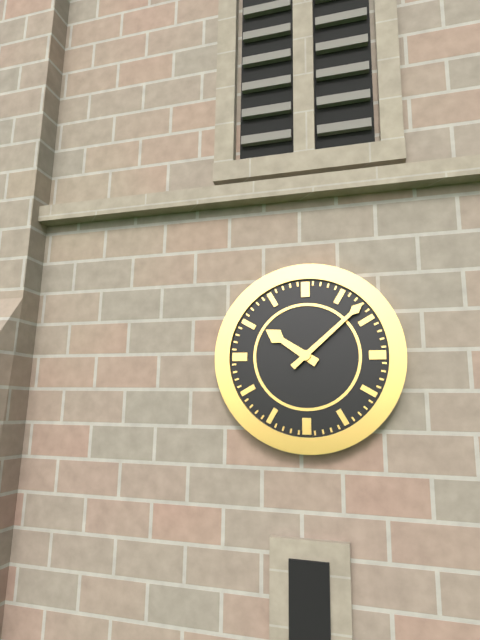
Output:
10,08
